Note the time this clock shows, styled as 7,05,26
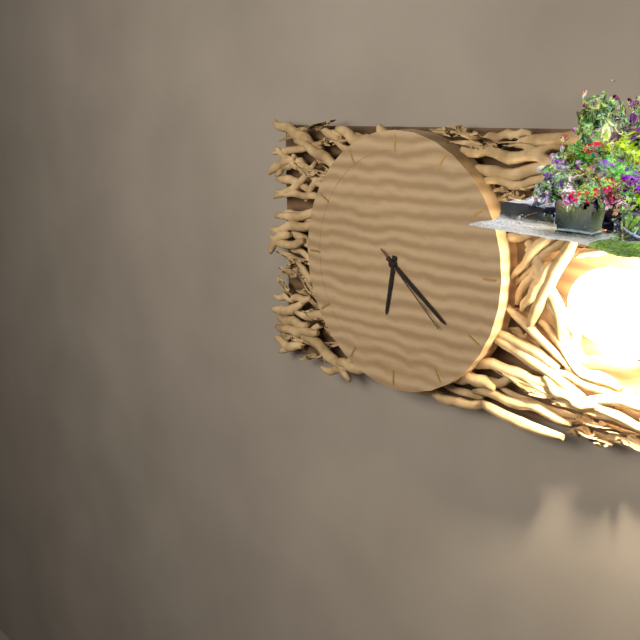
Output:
6,21,22
